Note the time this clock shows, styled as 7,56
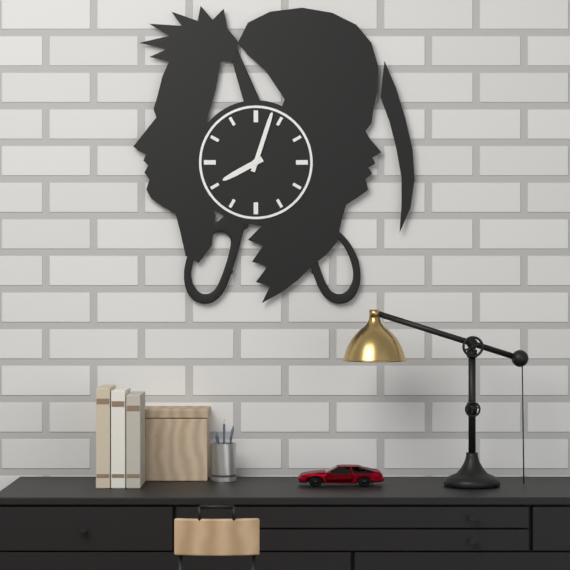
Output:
8,03
